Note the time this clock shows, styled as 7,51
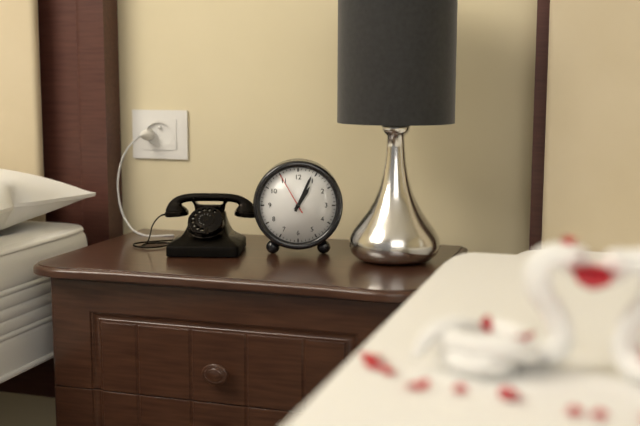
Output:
1,04
